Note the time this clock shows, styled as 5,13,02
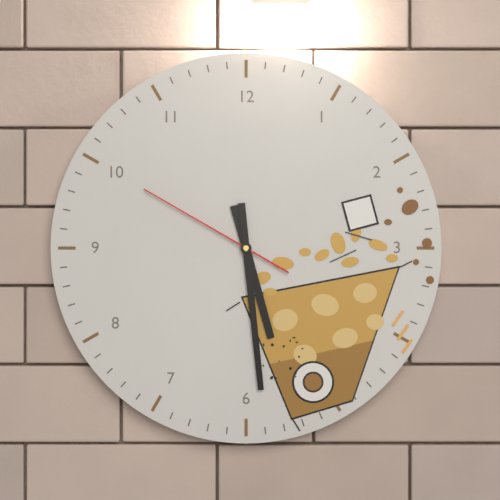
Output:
5,29,50
